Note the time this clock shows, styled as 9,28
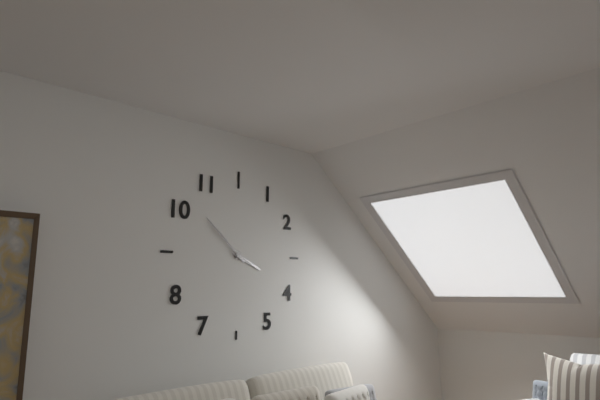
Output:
3,52
